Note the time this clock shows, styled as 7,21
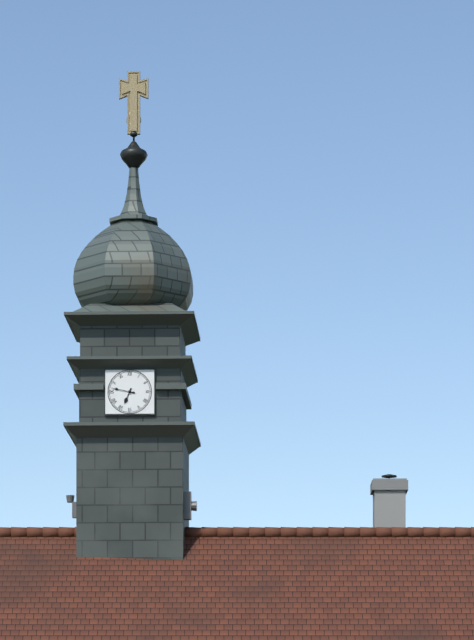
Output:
6,47
